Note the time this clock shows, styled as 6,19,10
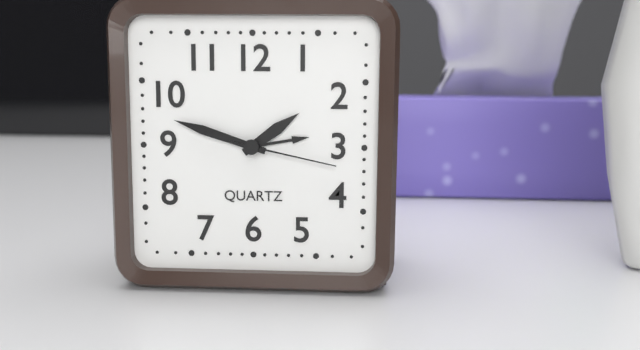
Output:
1,48,17
